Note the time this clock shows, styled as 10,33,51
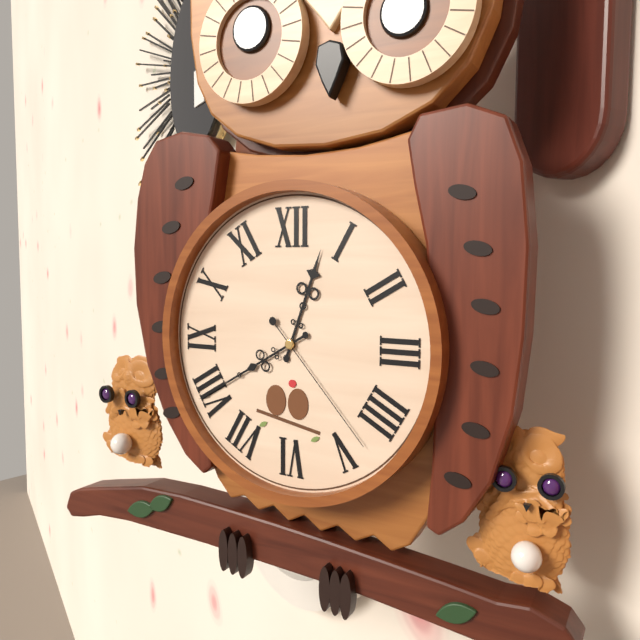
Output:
12,40,23
